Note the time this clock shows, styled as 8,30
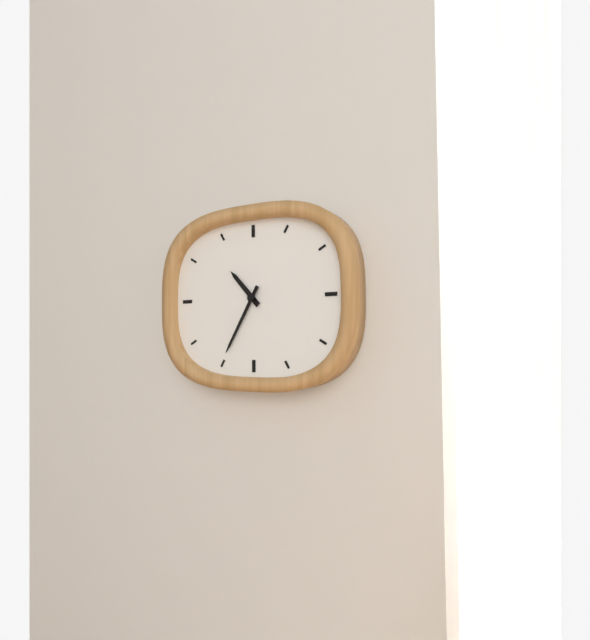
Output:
10,35
